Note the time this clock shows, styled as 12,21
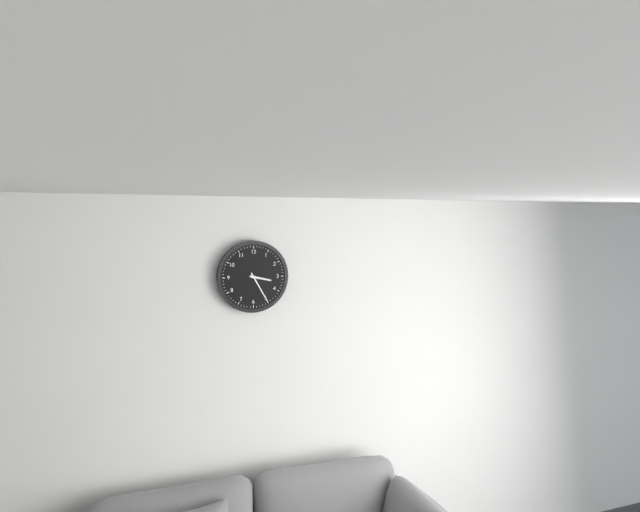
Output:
3,25
